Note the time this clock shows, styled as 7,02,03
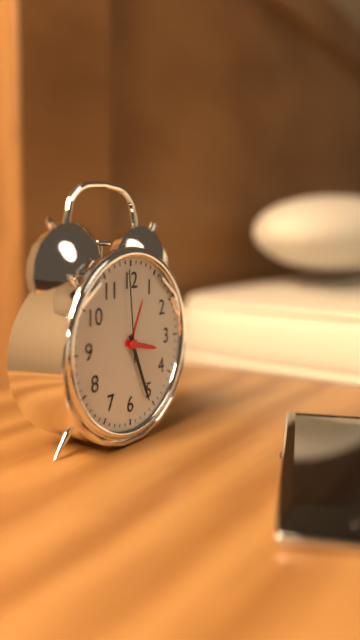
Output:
3,26,59
